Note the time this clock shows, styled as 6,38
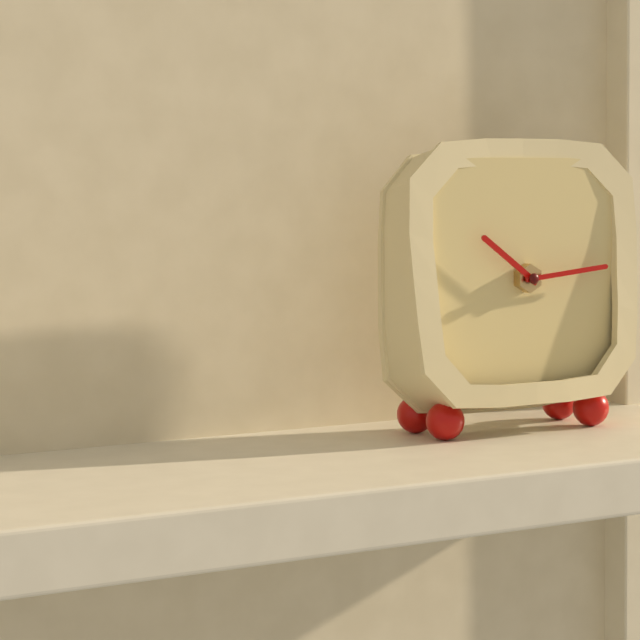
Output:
10,14
